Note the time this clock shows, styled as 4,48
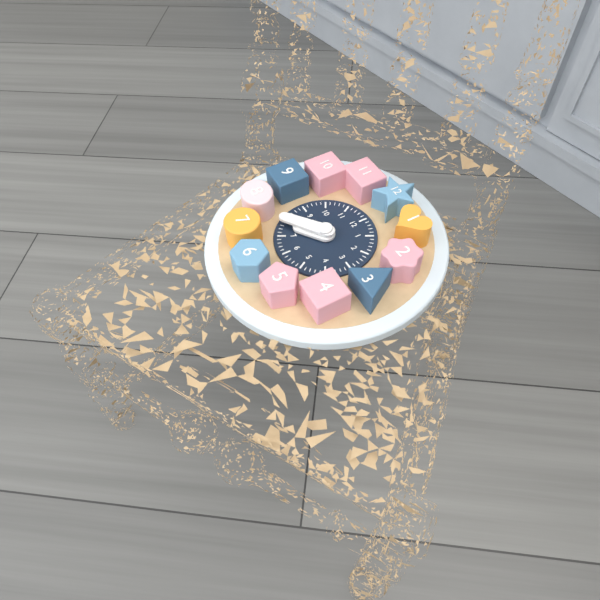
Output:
7,39
